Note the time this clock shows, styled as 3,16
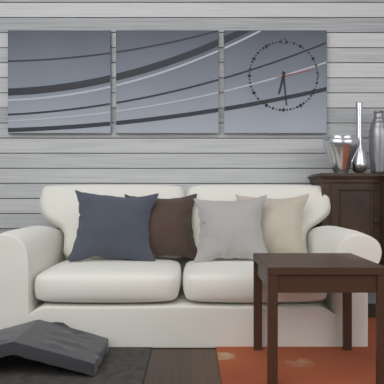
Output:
6,29
